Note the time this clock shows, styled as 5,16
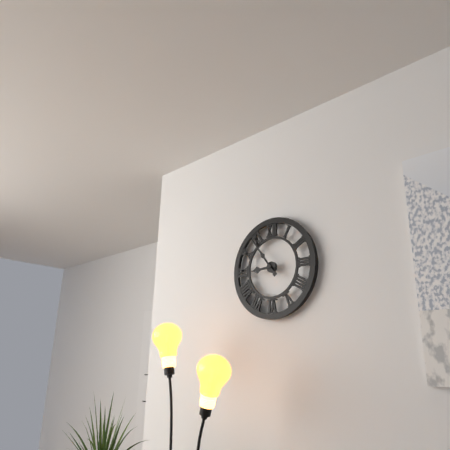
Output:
8,54
